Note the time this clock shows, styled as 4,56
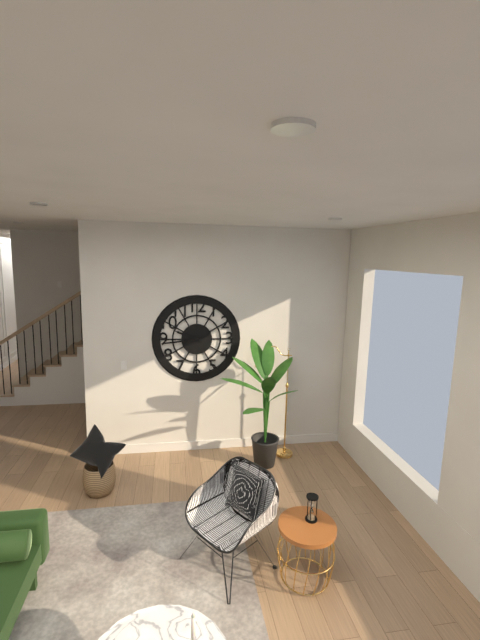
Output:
9,44
